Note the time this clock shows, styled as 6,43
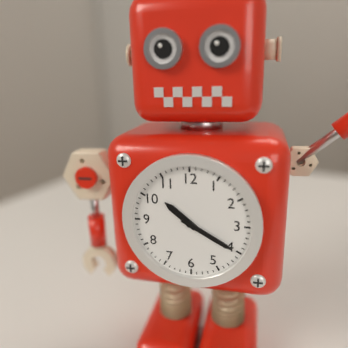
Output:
10,20
